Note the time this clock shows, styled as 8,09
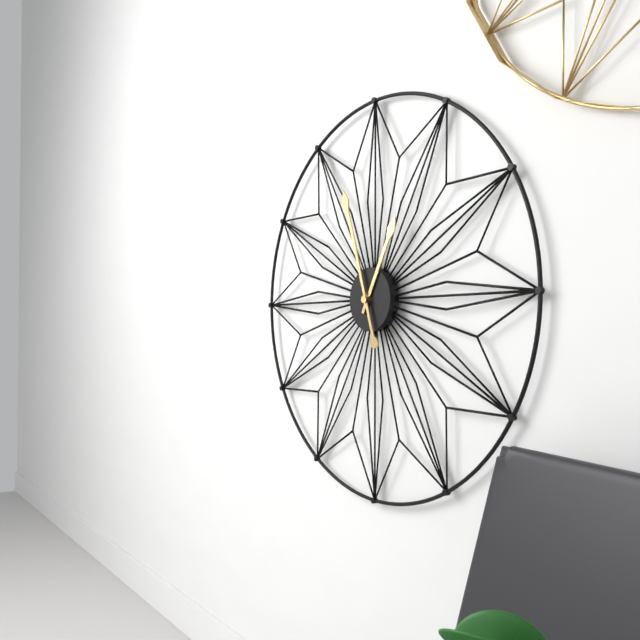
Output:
12,57
